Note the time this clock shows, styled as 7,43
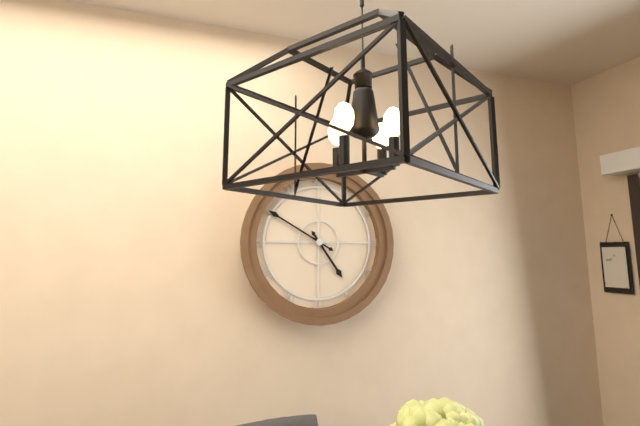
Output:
4,50
